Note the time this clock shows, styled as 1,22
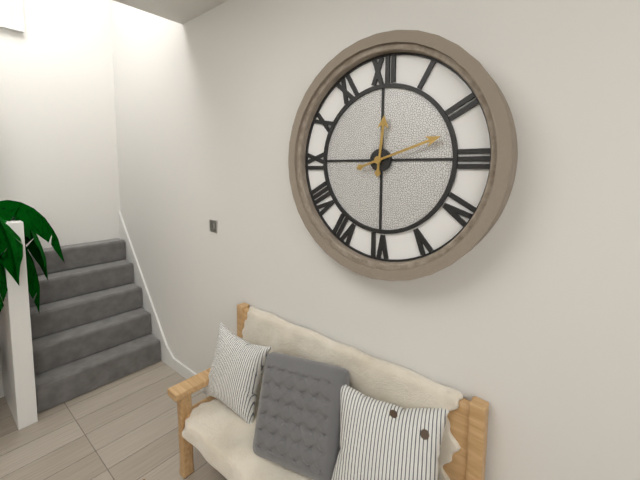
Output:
12,12
